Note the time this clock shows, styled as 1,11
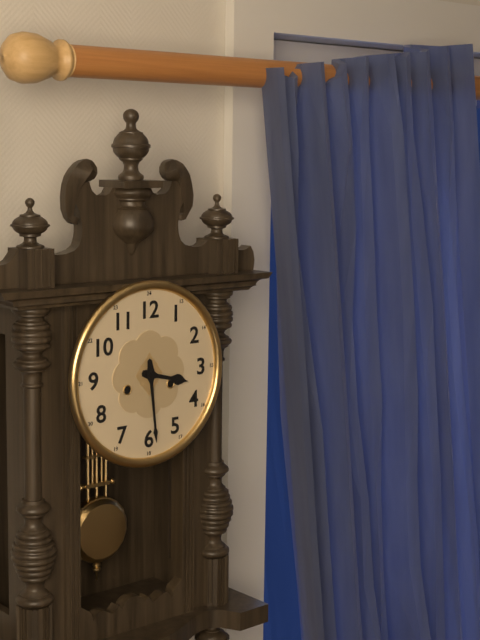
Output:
3,29
